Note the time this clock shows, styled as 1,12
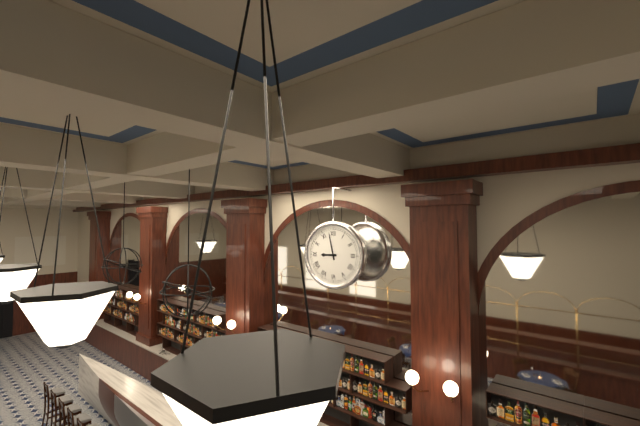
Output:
8,58
